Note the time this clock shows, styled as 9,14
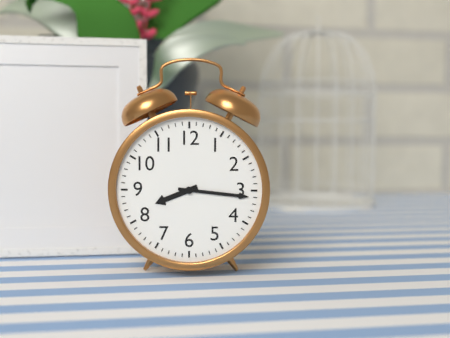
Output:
8,16
